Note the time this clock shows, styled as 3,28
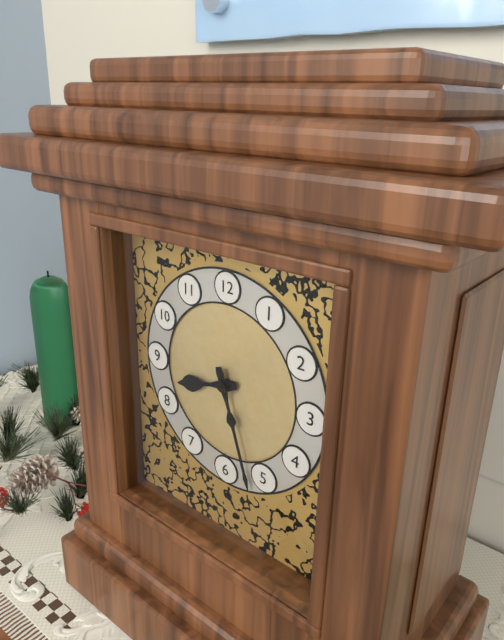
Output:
8,27
